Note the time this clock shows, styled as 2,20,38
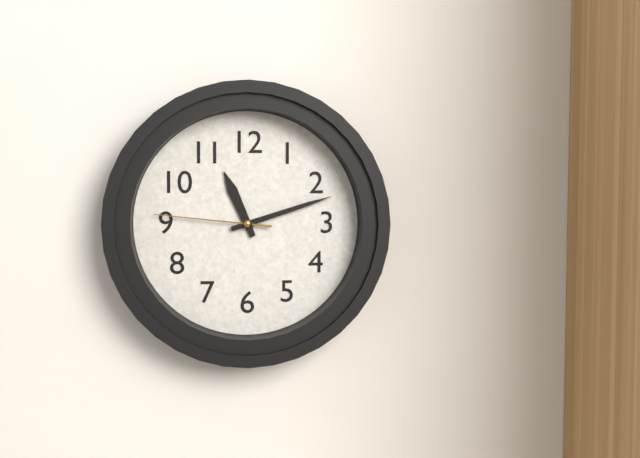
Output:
11,12,46
